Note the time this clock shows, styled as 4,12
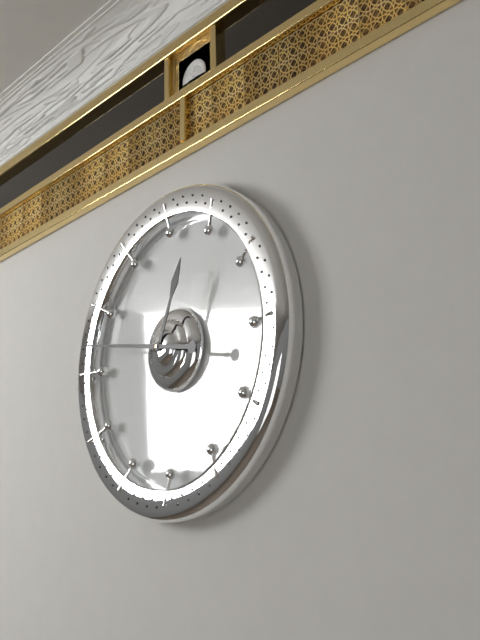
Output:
12,47
